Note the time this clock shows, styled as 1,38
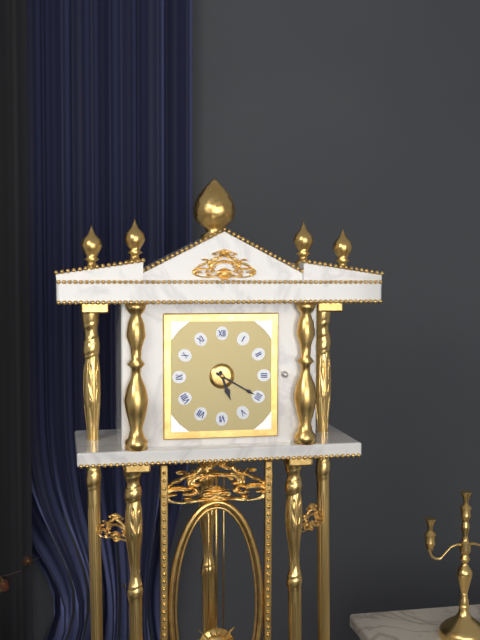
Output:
5,20
